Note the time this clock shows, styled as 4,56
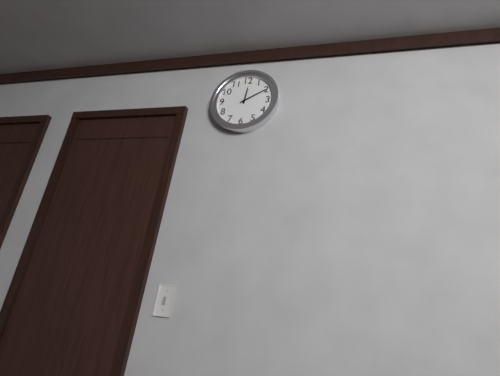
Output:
12,10
